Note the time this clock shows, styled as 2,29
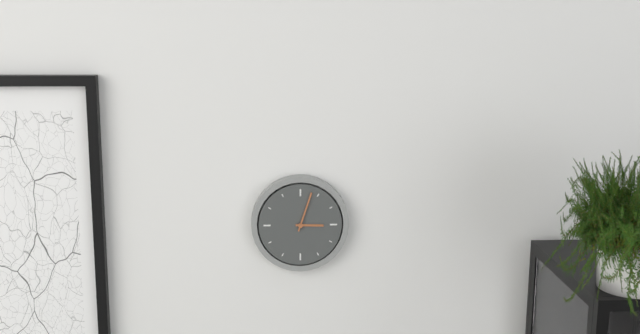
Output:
3,03
